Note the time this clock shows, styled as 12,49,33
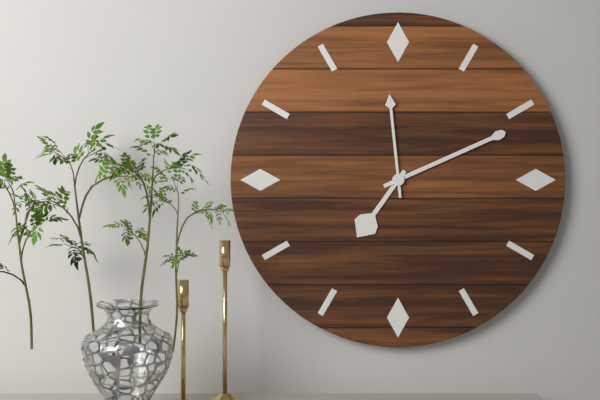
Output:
7,11,59
